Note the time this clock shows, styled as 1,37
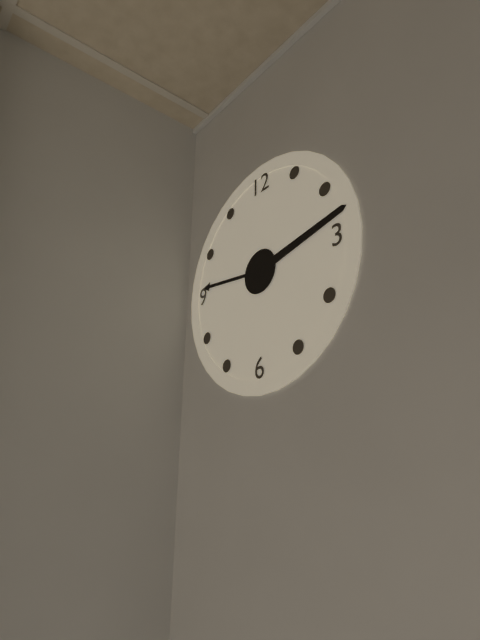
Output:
9,13
